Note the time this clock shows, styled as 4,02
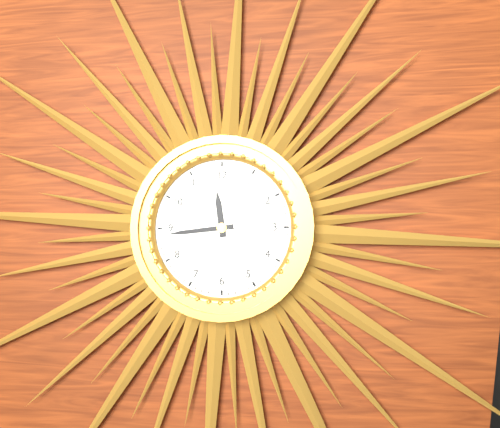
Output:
11,44
